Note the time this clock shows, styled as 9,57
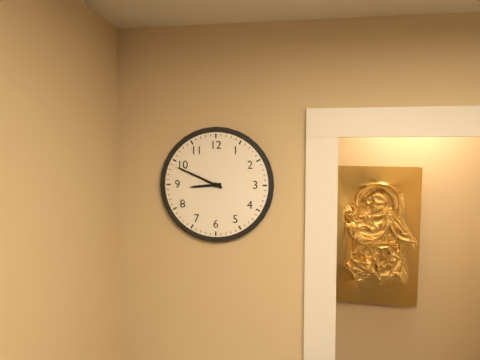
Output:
8,49
